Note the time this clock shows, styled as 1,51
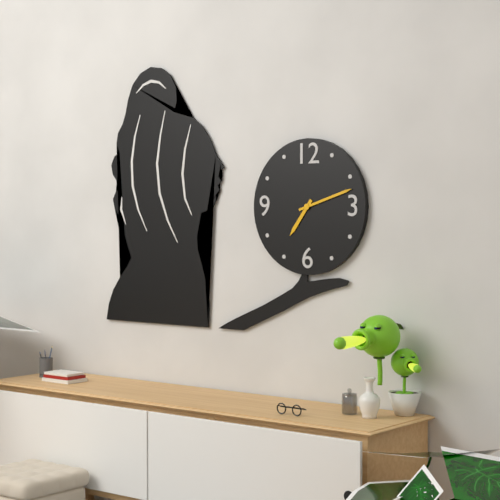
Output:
7,12
